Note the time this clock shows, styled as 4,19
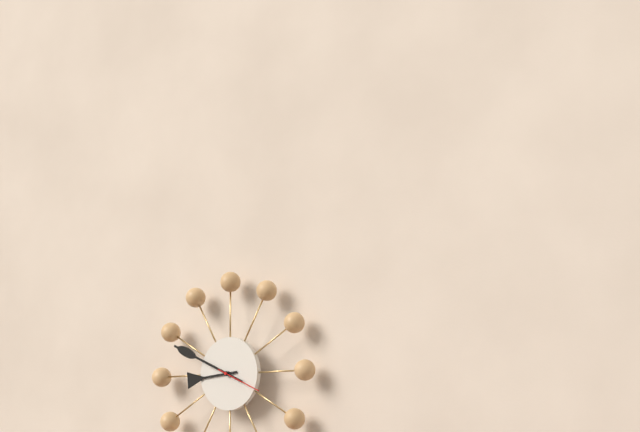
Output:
8,49
